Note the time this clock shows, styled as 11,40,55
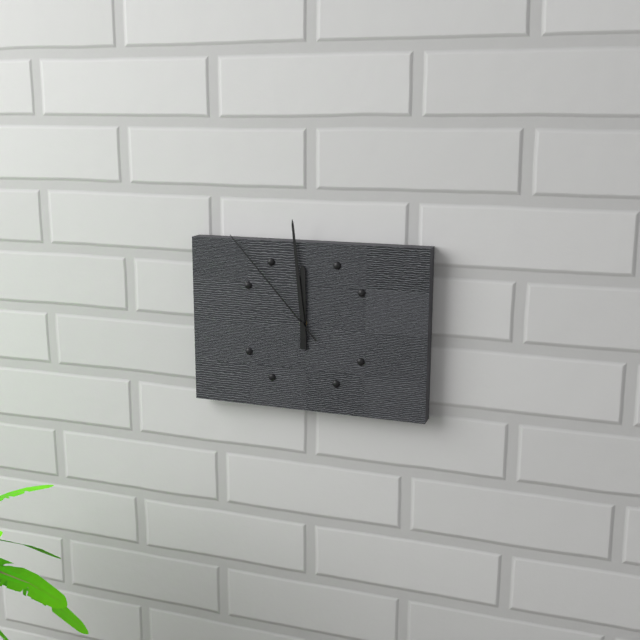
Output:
11,59,53
